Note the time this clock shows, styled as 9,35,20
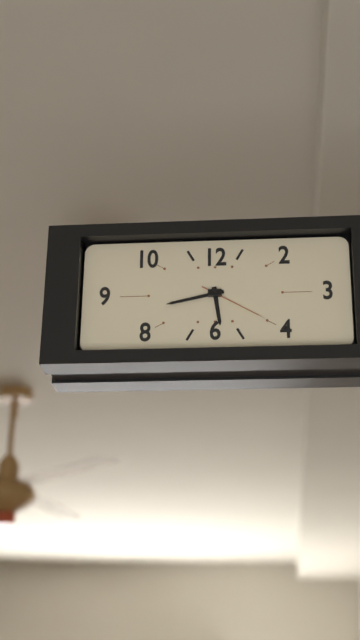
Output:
5,43,20
